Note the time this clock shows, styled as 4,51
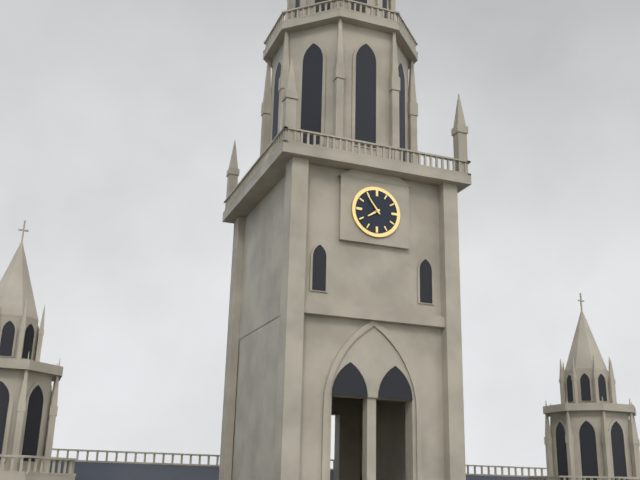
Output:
7,54
